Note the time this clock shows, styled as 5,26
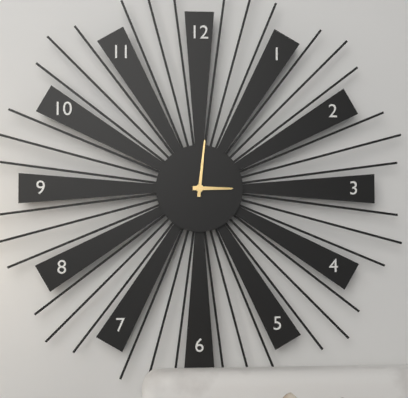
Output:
3,01
